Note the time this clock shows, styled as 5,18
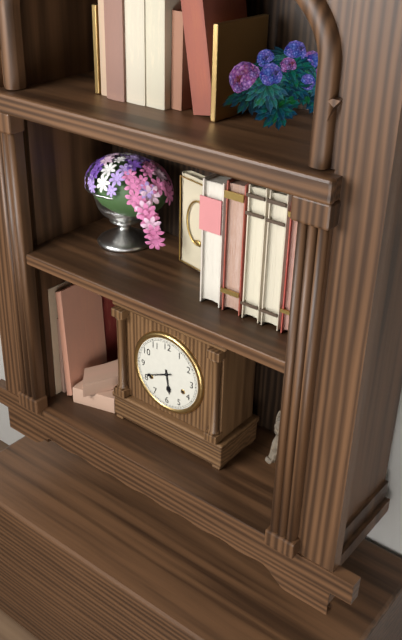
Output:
5,41
